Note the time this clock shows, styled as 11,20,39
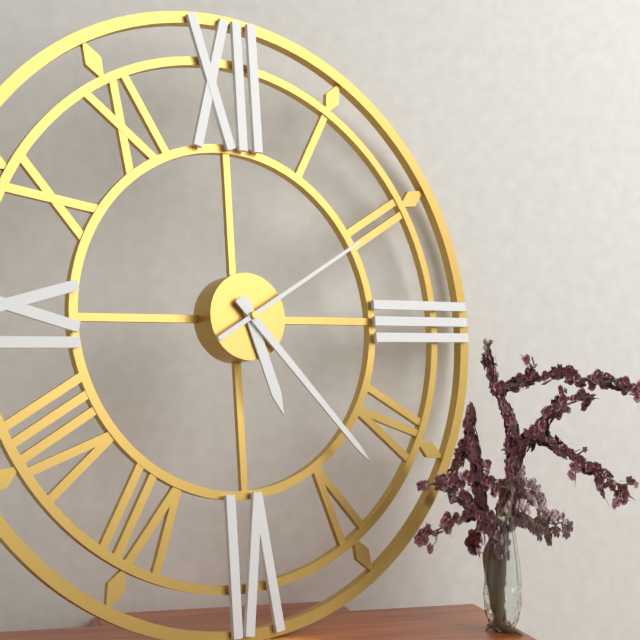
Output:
5,23,10
